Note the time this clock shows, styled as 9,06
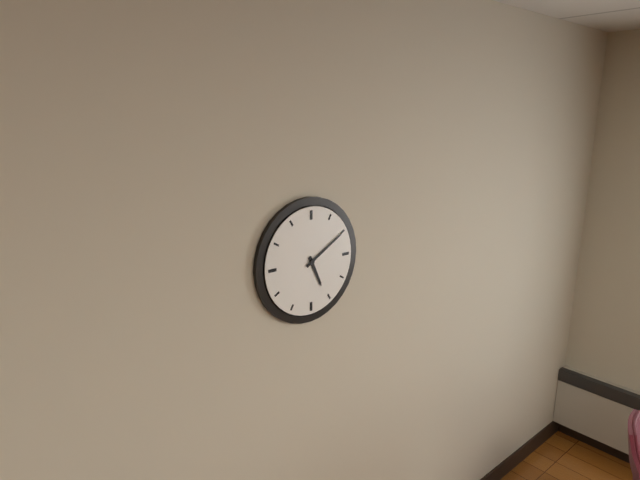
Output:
5,10
